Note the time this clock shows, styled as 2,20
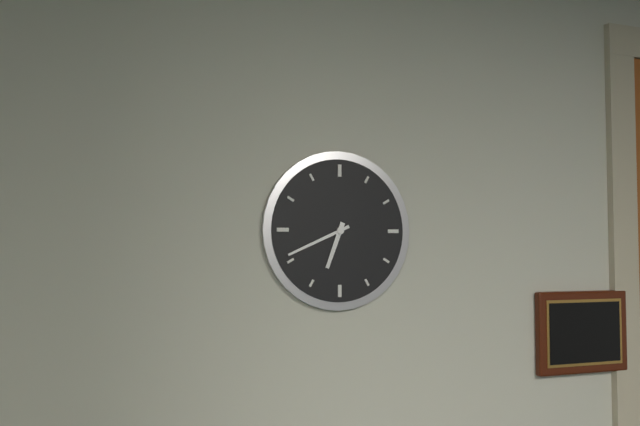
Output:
6,41
